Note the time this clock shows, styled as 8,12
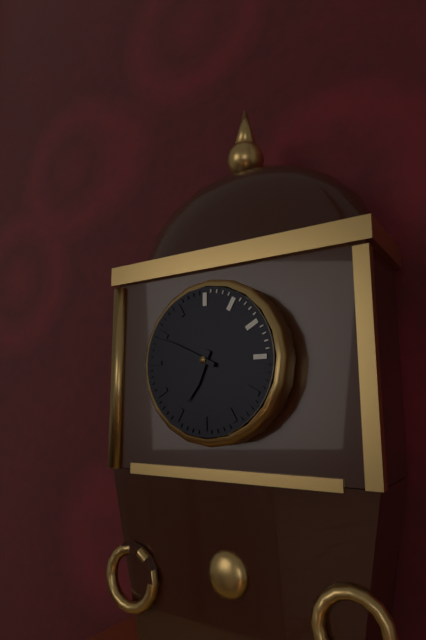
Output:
6,49
